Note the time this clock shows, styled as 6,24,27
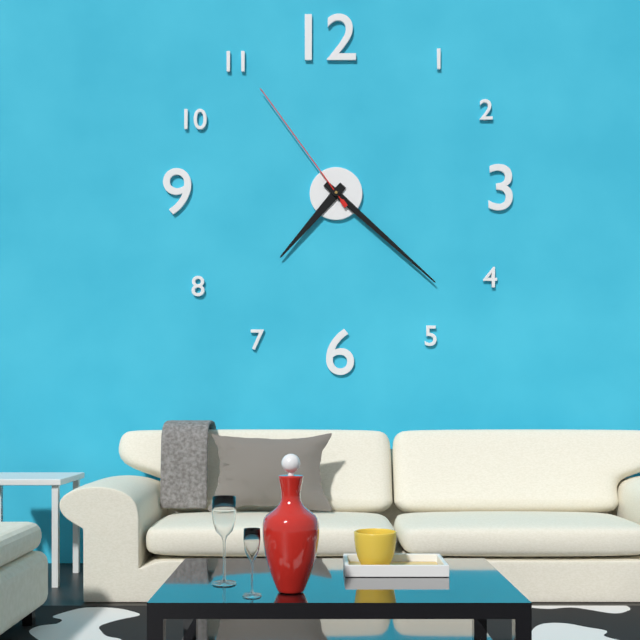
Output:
7,22,54
